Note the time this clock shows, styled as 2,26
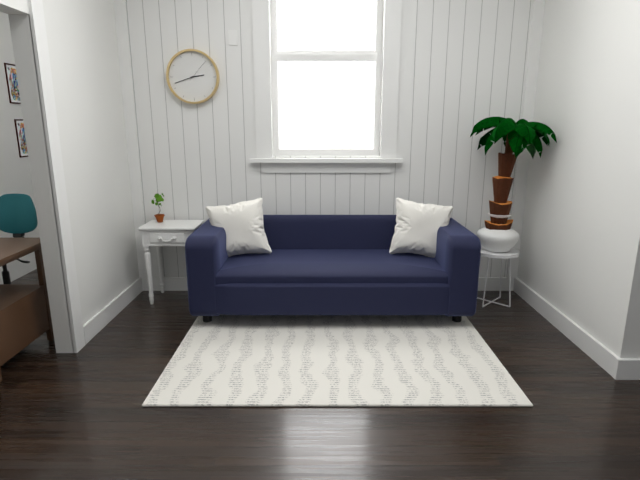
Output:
2,42
